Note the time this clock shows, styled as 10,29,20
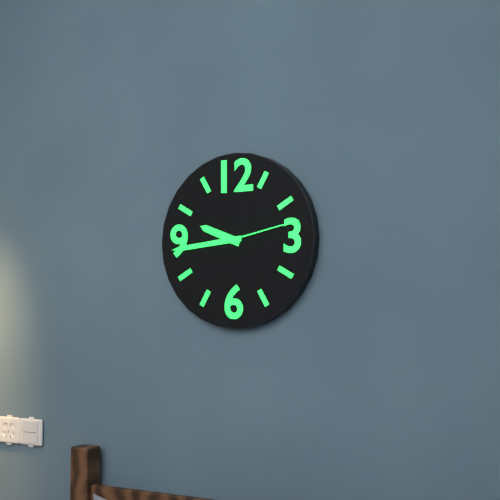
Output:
9,44,13
